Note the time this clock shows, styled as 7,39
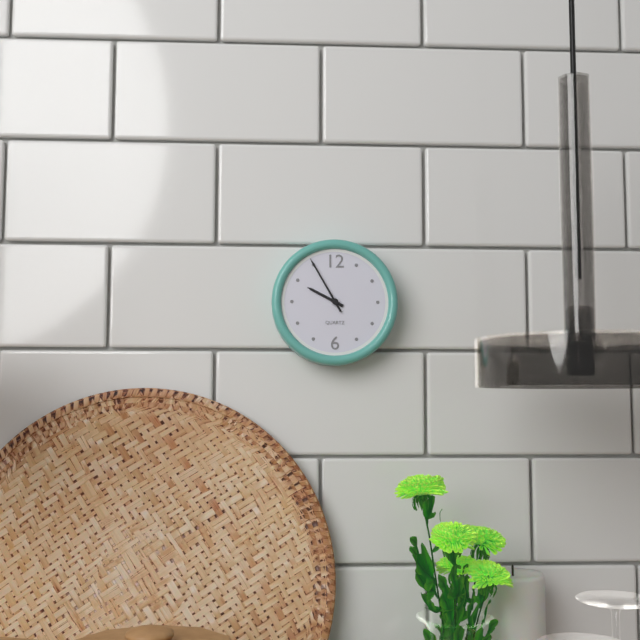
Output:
9,55
